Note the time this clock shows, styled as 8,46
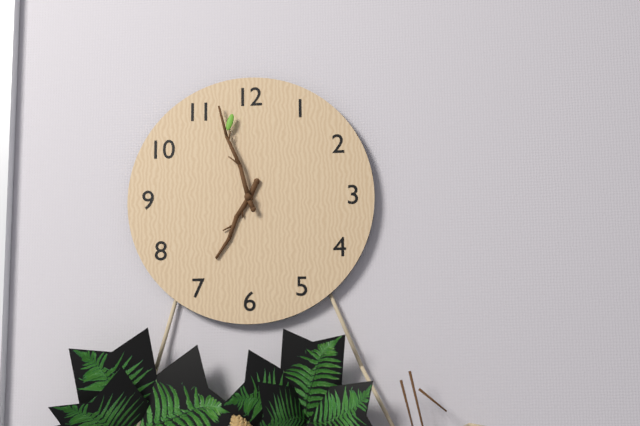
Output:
6,57
